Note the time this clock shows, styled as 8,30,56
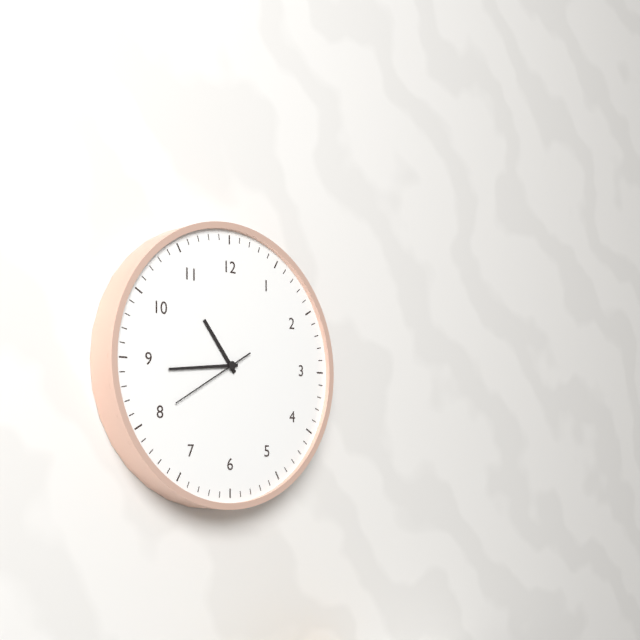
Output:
10,44,40
